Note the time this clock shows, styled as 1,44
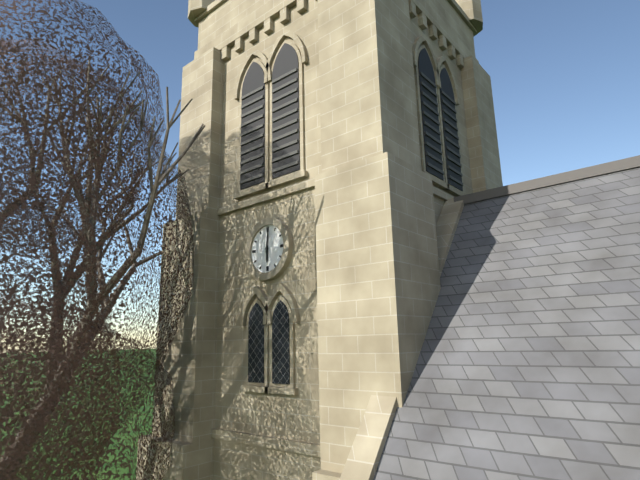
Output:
6,01
